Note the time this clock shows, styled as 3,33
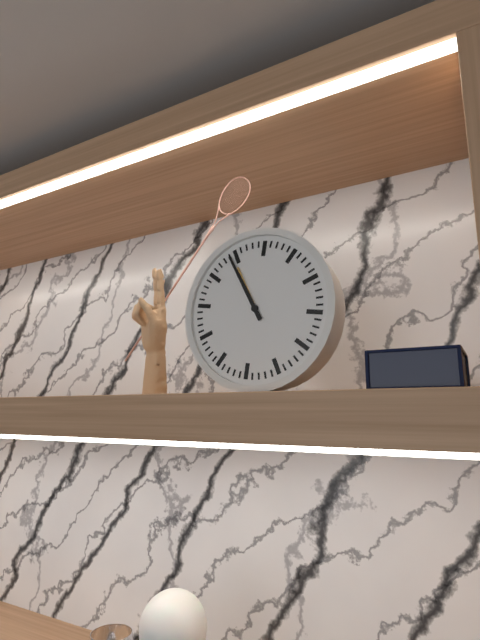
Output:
10,54
